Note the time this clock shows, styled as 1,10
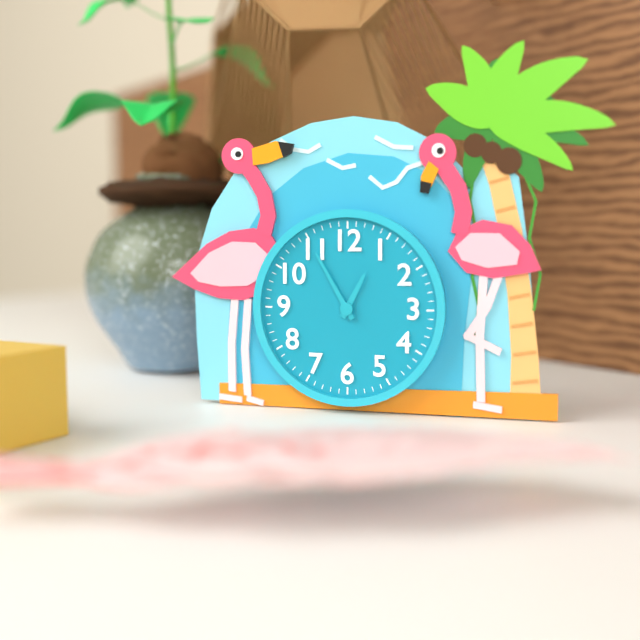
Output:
12,55
